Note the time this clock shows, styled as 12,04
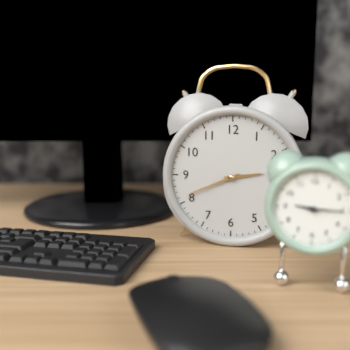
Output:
2,41
